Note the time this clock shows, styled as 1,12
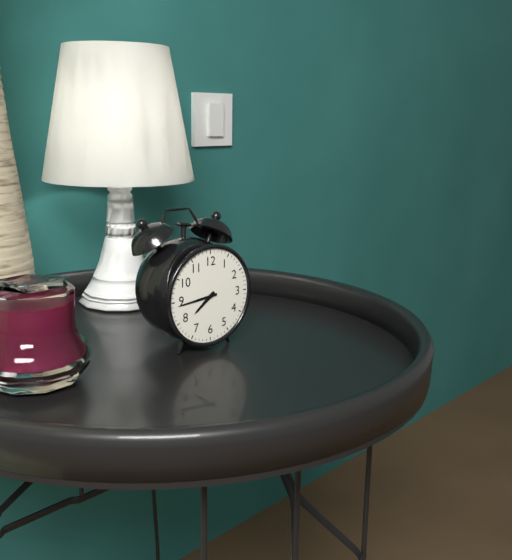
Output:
7,44
